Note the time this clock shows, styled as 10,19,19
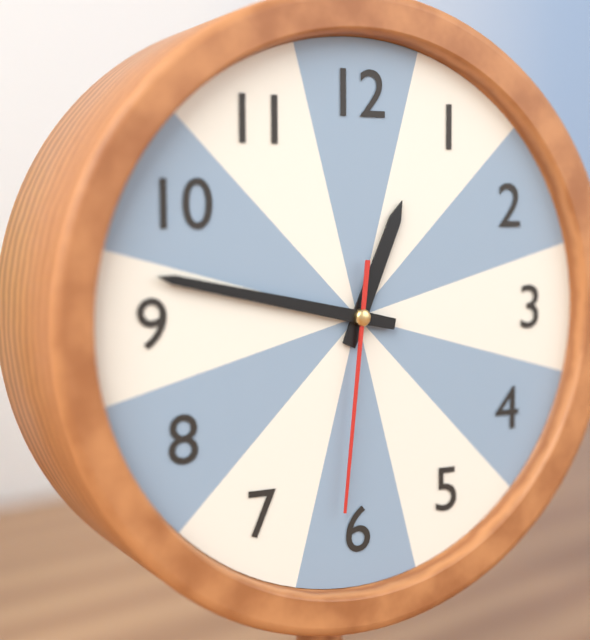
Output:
12,47,31
